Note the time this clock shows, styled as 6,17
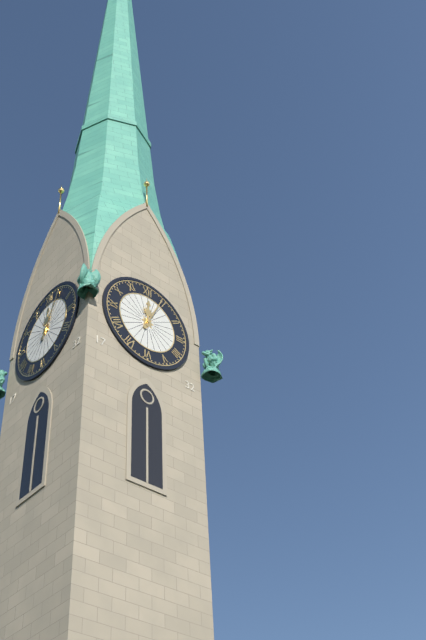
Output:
12,04
